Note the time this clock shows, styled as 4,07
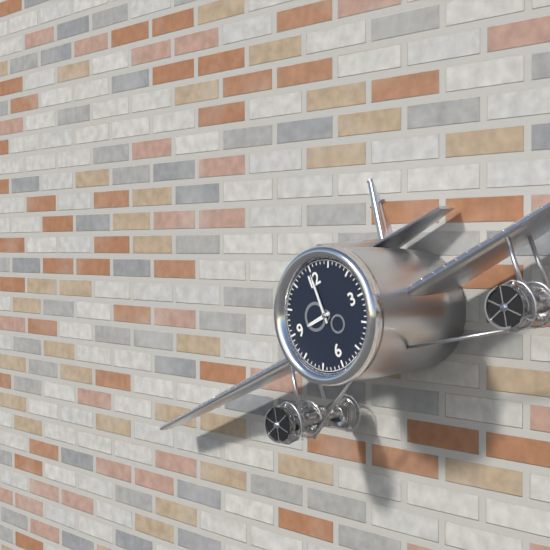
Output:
9,00
